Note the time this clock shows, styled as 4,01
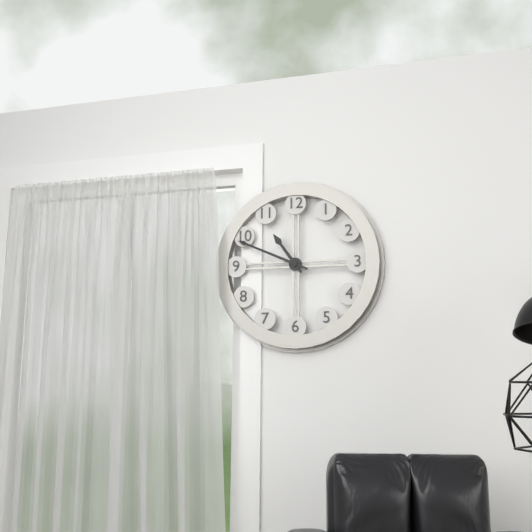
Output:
10,49
